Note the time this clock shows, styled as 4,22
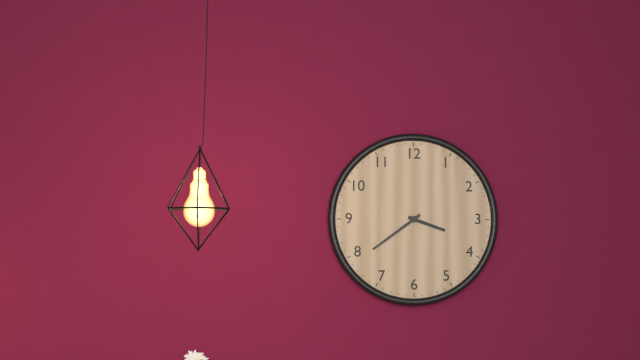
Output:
3,39
